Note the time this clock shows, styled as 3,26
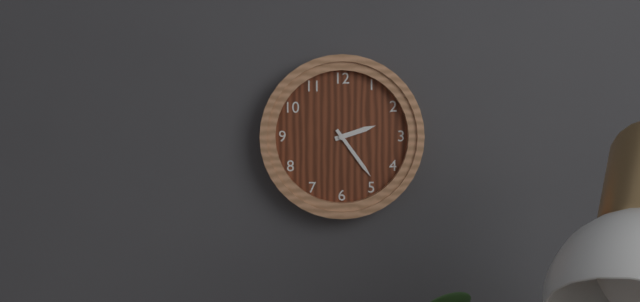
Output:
2,24
